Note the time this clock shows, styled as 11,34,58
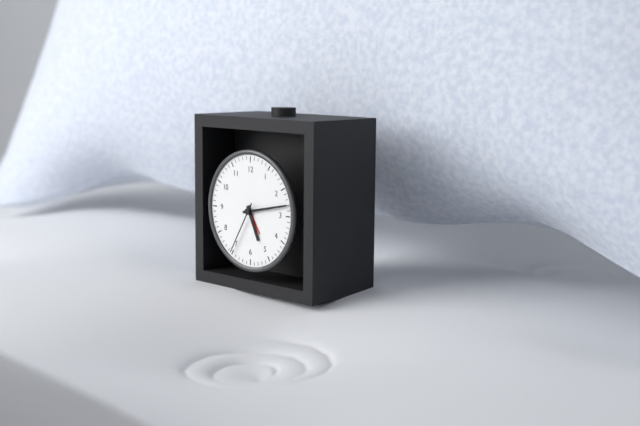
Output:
5,13,35
